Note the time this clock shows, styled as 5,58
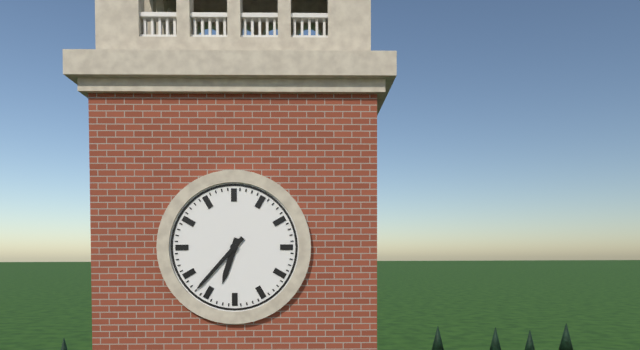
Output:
6,37
